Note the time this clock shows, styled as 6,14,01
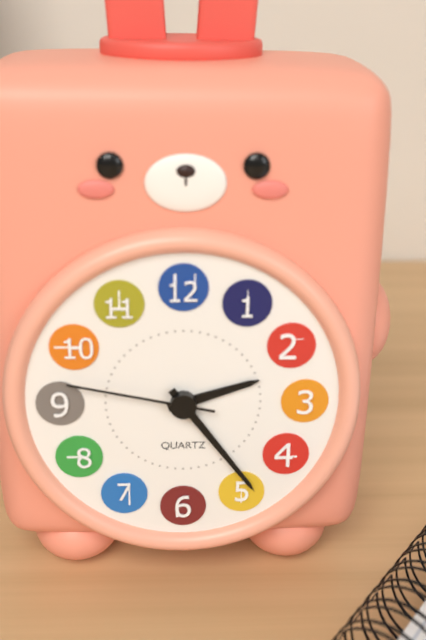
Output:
2,24,47
